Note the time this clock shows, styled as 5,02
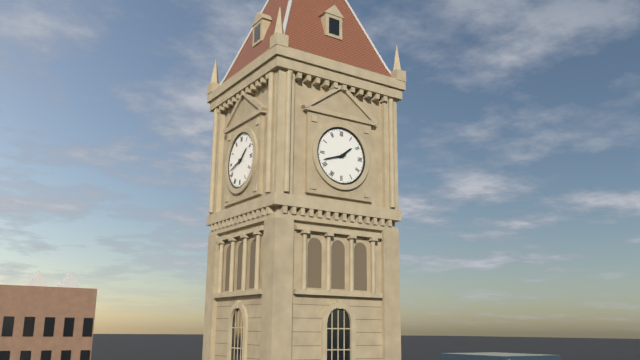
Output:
1,42
